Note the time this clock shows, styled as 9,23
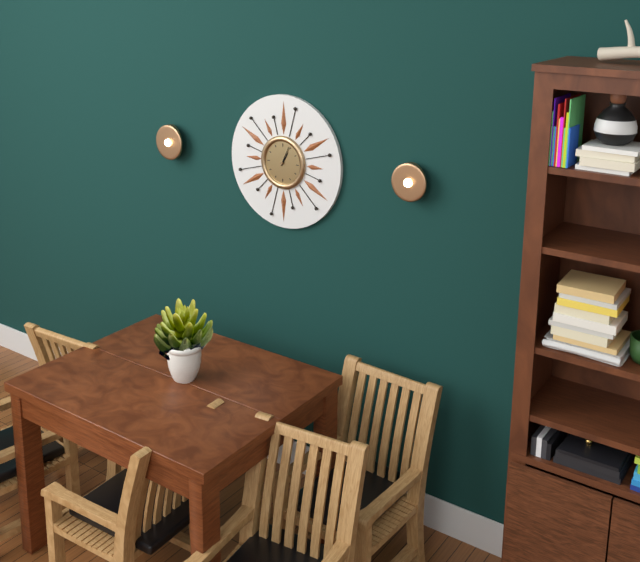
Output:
1,04
